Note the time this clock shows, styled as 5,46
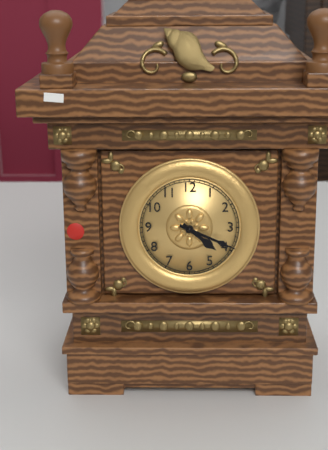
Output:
4,19
